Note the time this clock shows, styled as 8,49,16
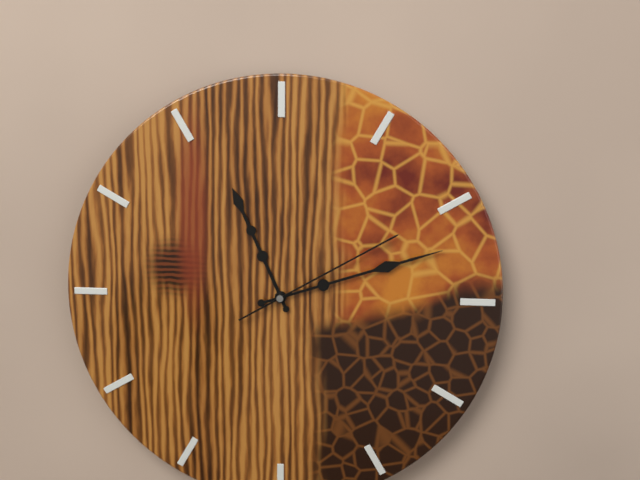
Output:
11,12,10
